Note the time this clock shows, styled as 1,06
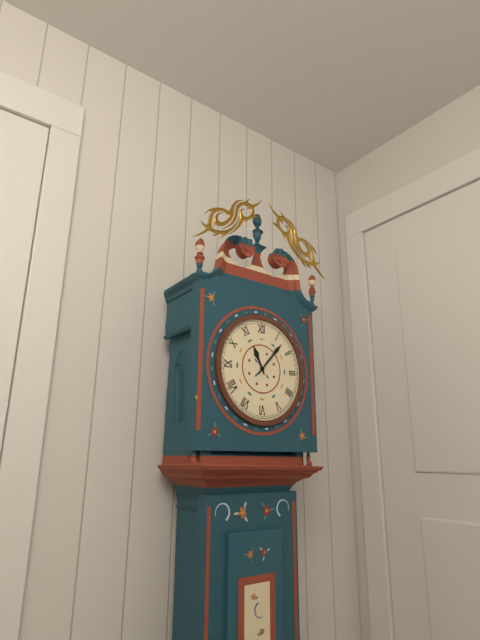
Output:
11,07
